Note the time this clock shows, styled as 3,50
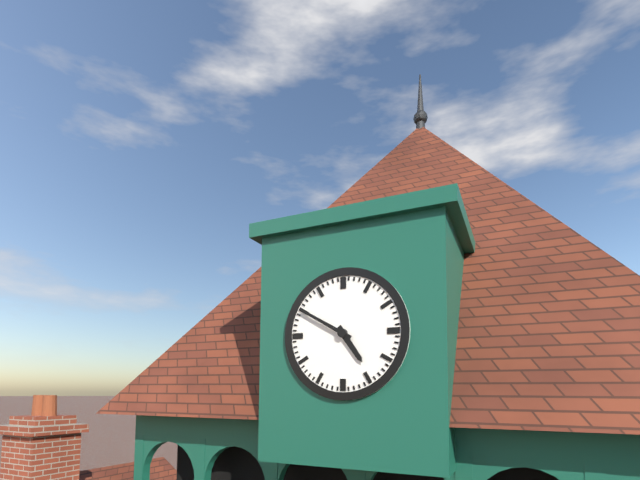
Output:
4,50
